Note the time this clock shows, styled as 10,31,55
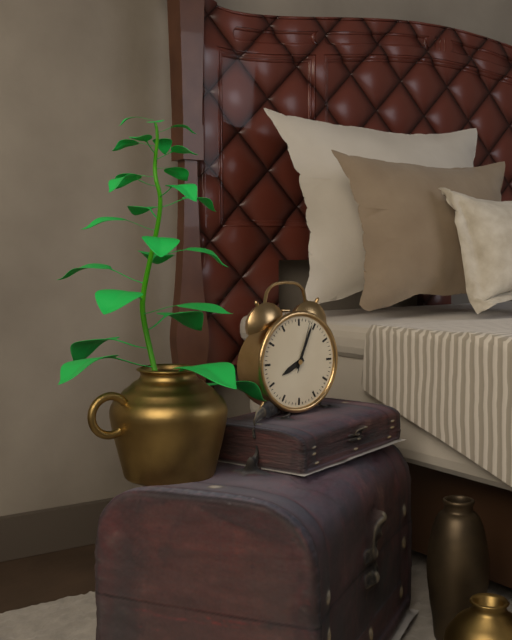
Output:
8,04,03
